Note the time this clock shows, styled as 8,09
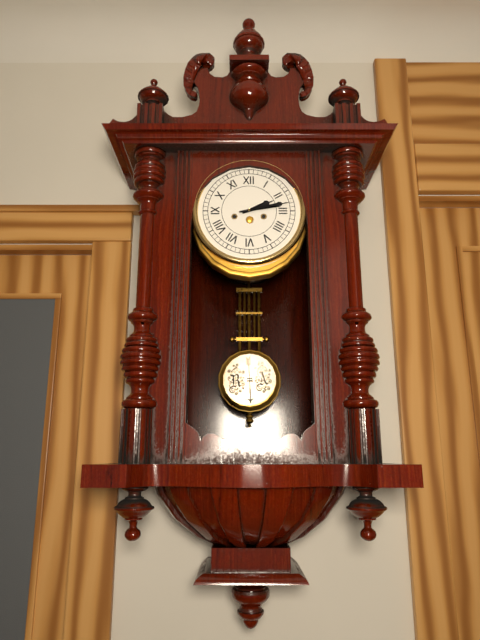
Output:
2,13
